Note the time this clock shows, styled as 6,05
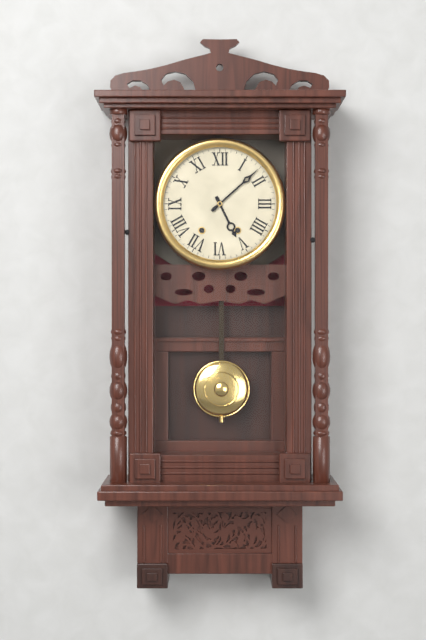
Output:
5,08
